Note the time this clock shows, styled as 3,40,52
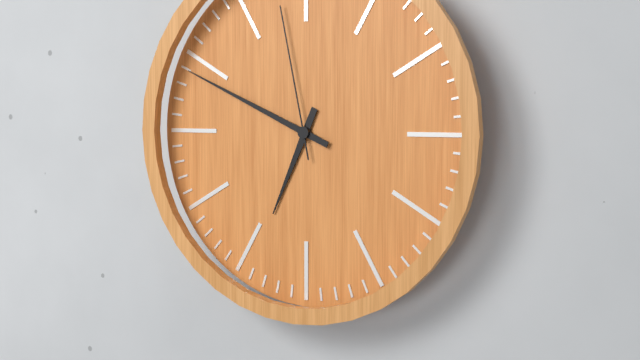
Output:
6,49,58
